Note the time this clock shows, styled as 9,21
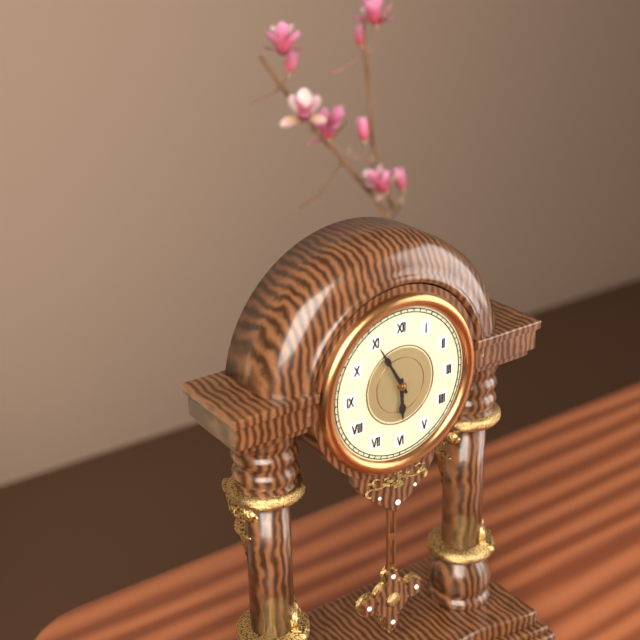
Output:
5,55
